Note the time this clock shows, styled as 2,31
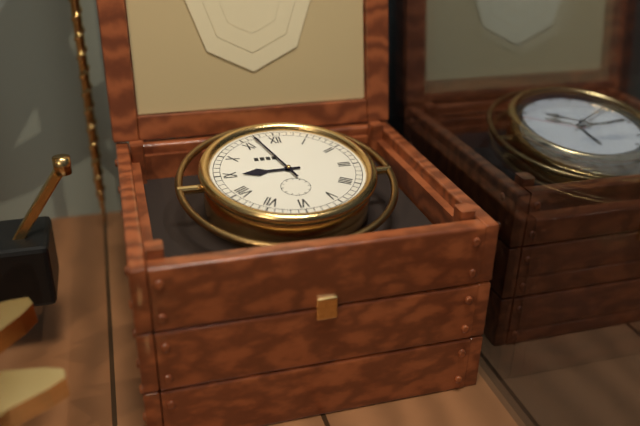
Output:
8,57
